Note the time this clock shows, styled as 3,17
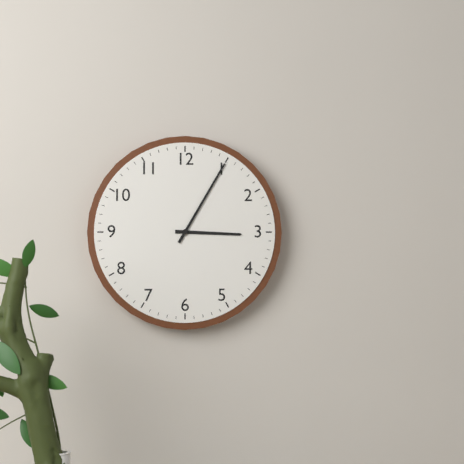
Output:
3,05
